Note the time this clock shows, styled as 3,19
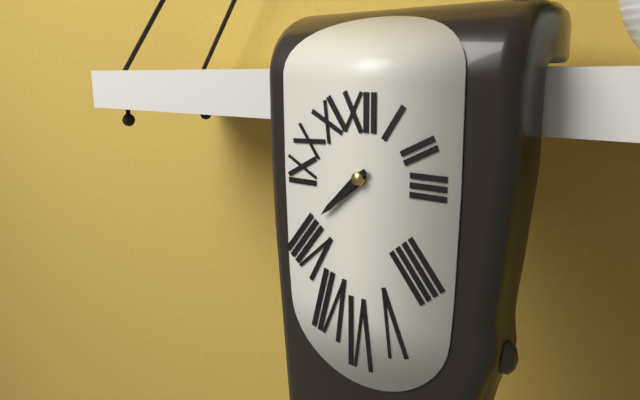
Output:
7,38
